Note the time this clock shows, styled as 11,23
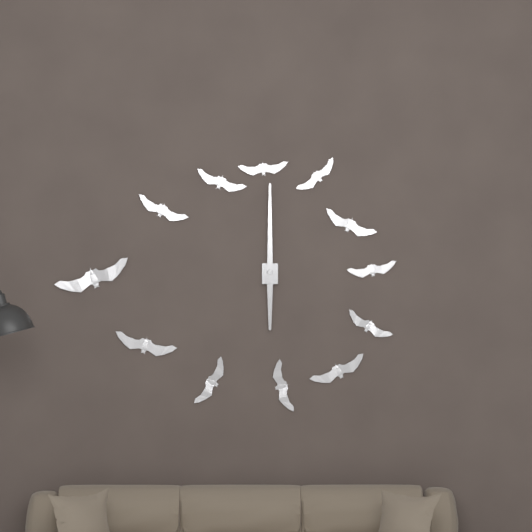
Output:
6,00
